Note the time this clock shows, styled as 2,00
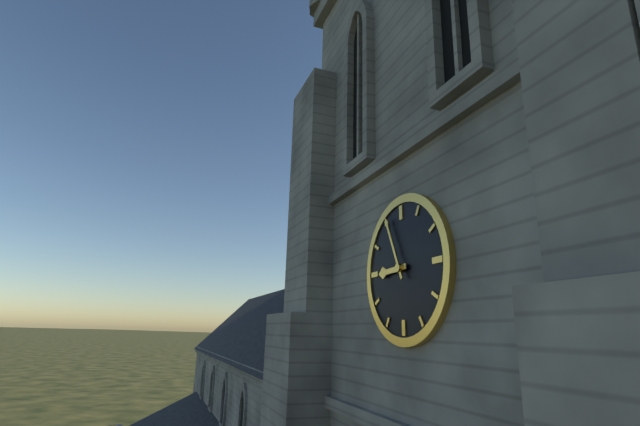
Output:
8,56
